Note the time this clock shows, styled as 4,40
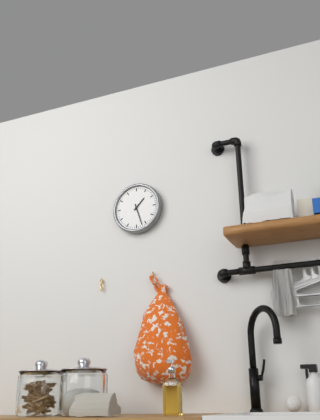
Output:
1,27
